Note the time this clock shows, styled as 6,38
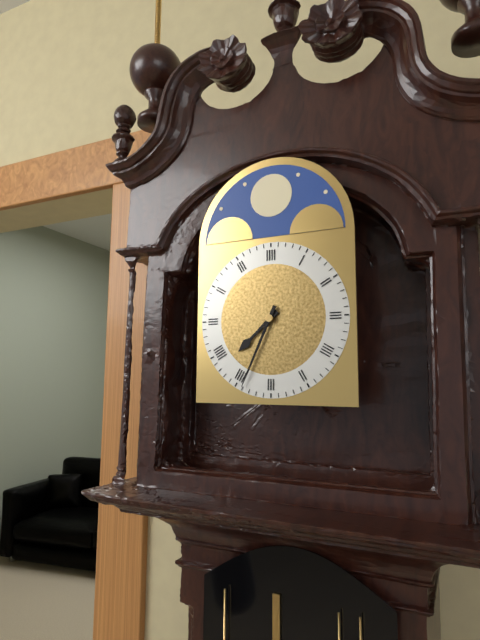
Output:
7,34
